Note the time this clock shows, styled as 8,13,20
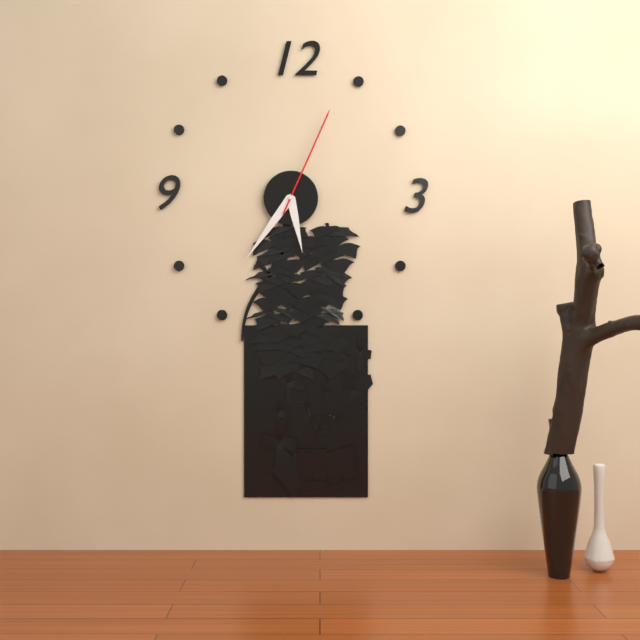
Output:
5,36,04
